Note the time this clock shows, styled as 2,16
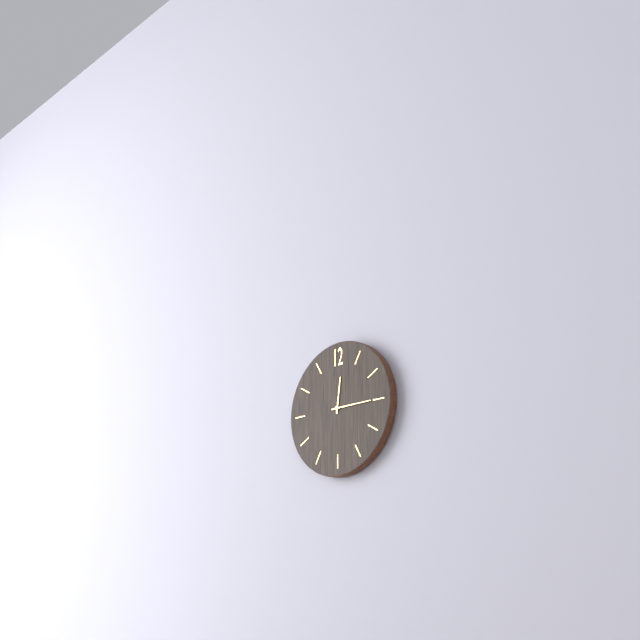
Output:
12,15
